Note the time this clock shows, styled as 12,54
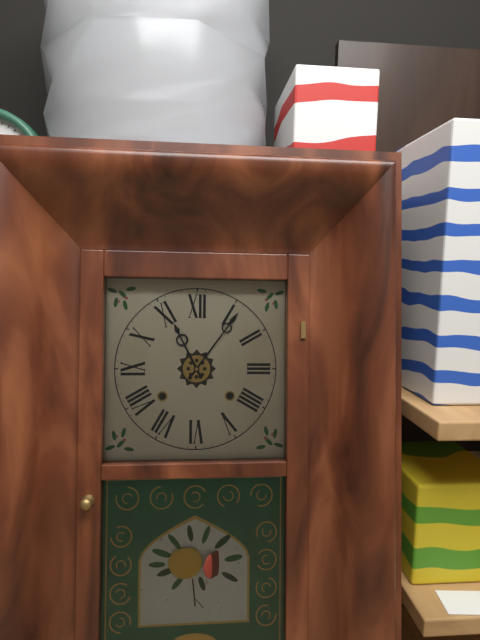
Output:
11,06
